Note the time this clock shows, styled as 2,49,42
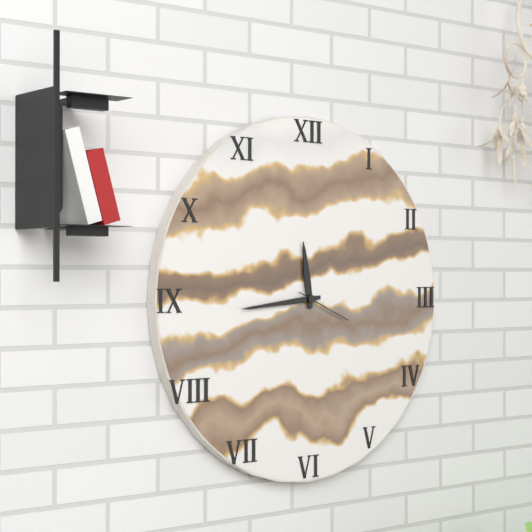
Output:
11,44,19
